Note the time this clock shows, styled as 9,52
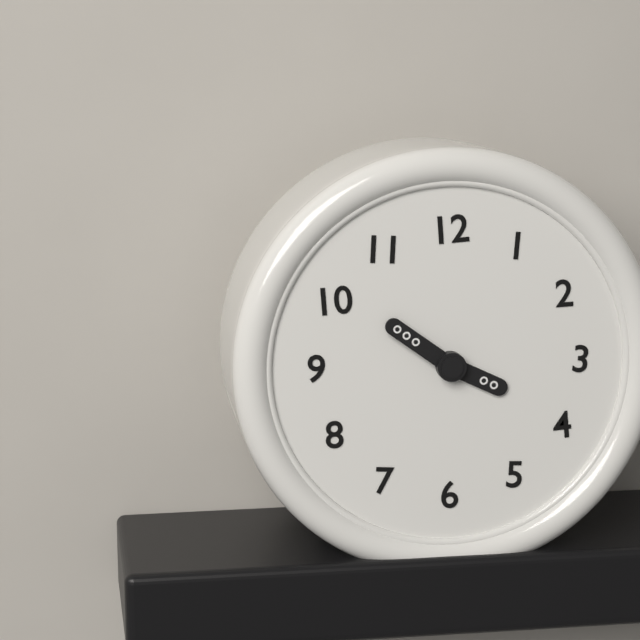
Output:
3,51
